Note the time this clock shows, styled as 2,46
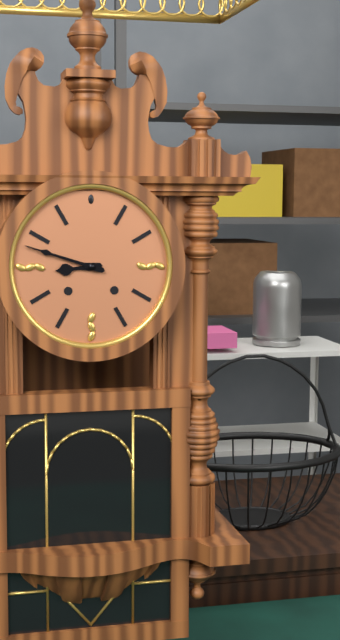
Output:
8,48
